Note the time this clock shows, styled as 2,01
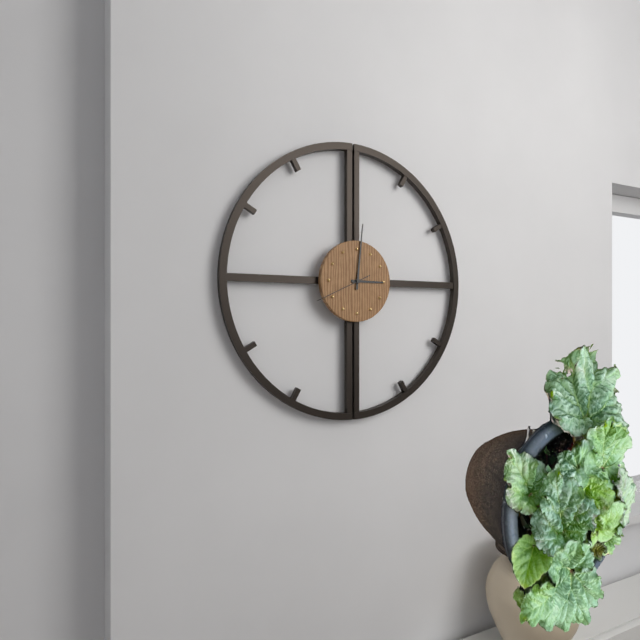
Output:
3,01
